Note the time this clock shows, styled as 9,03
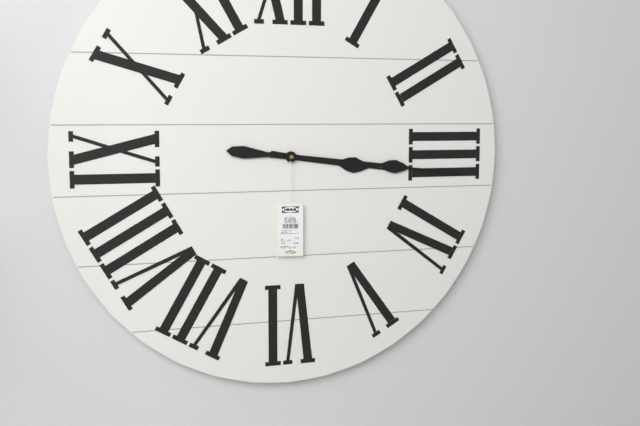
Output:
3,16
